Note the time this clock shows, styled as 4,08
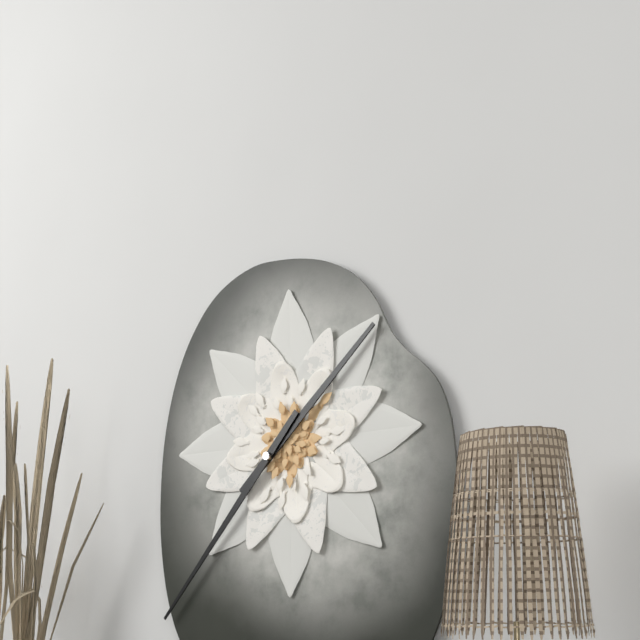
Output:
1,37
